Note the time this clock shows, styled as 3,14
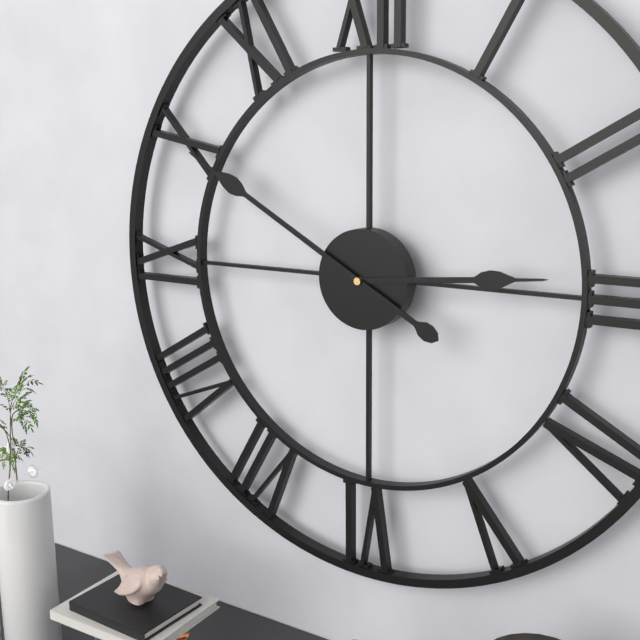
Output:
2,50
